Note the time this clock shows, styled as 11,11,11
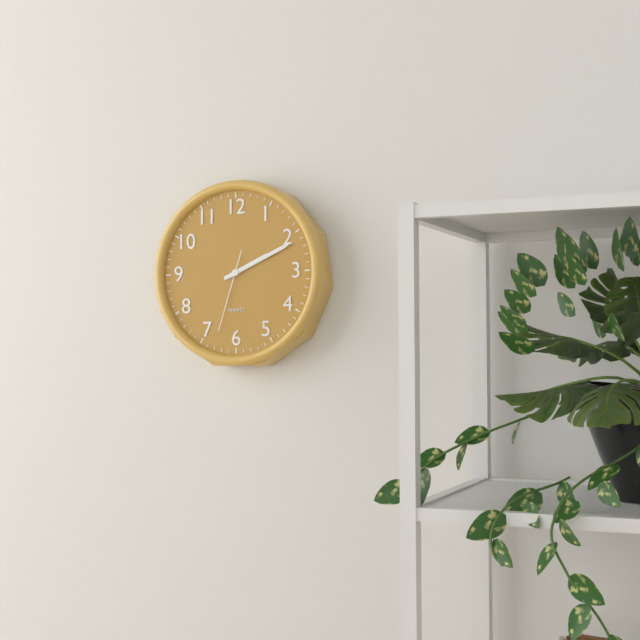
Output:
2,11,33
